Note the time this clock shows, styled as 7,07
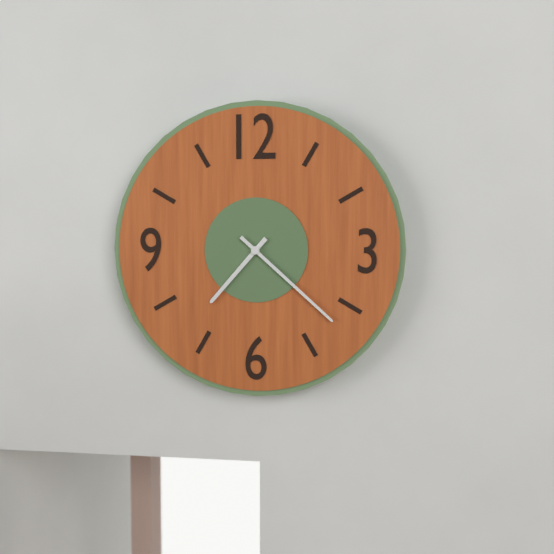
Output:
7,22
